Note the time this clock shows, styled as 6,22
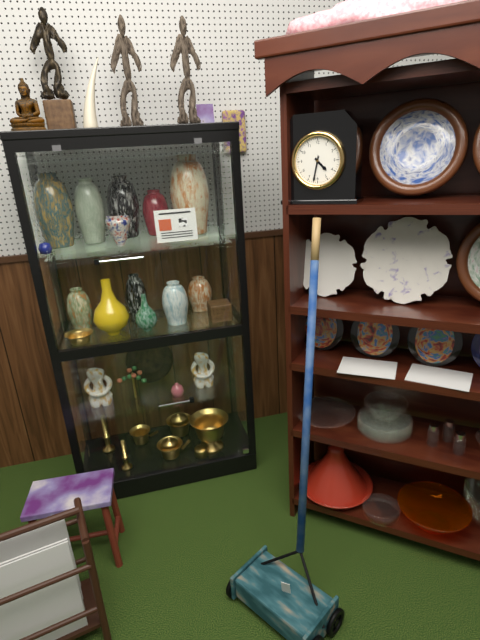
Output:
4,32
